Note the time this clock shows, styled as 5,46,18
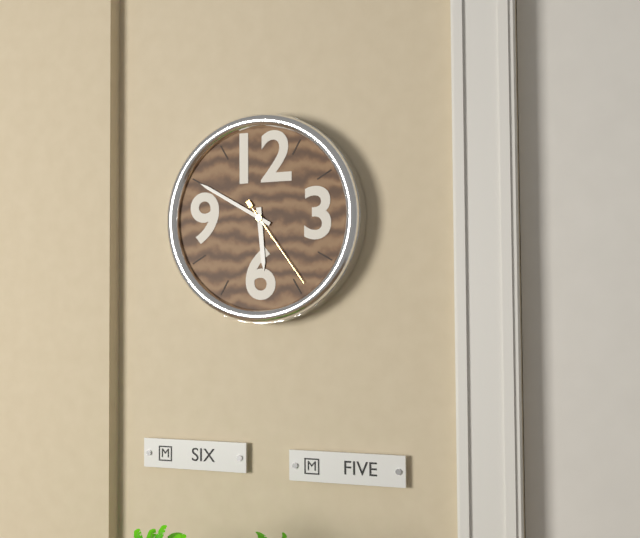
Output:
5,50,24
